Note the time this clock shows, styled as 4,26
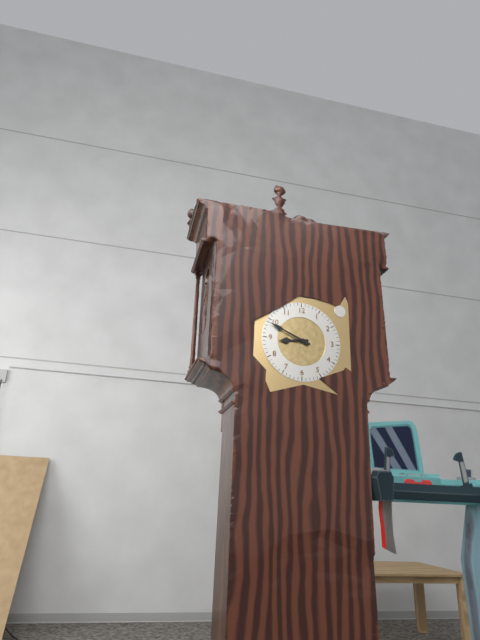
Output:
8,49
